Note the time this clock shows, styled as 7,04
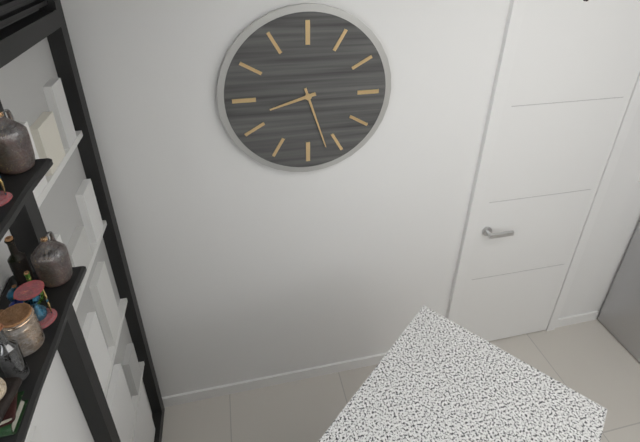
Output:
8,27
